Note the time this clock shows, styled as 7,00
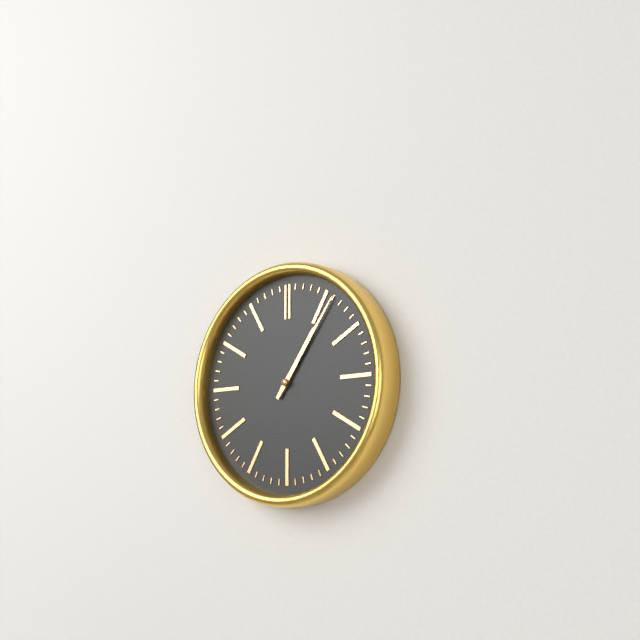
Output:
1,06
